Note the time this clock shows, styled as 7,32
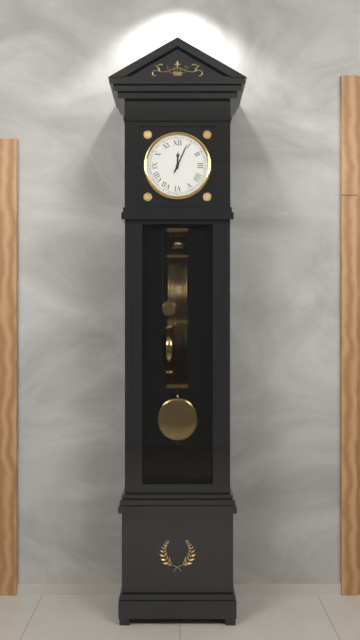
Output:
12,04
